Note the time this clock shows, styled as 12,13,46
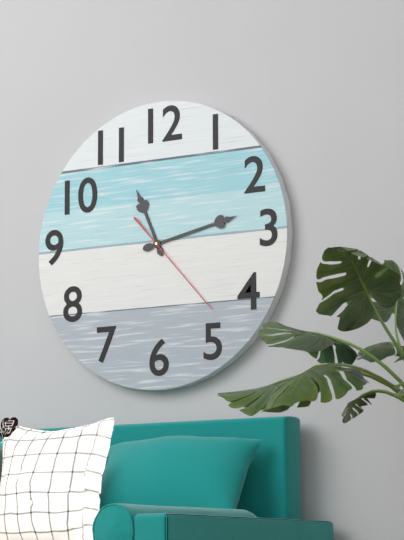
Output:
11,13,23
